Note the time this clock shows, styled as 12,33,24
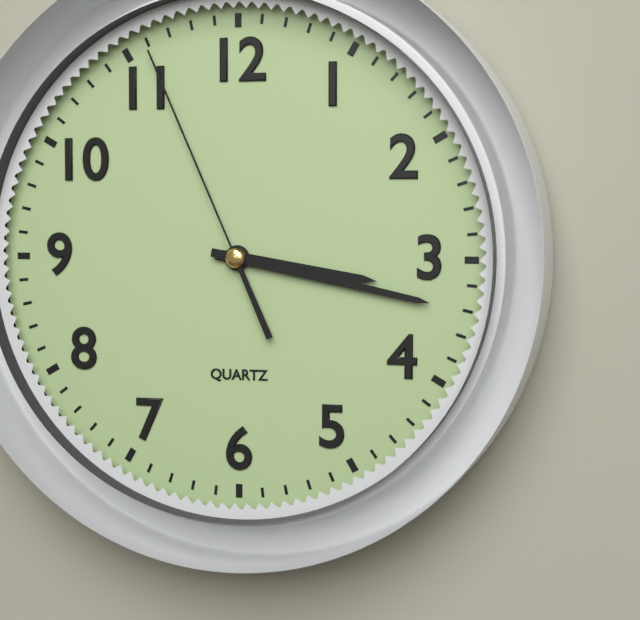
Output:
3,17,56
